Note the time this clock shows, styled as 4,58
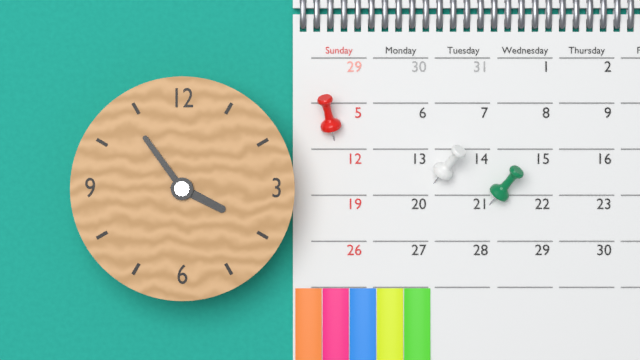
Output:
3,54
